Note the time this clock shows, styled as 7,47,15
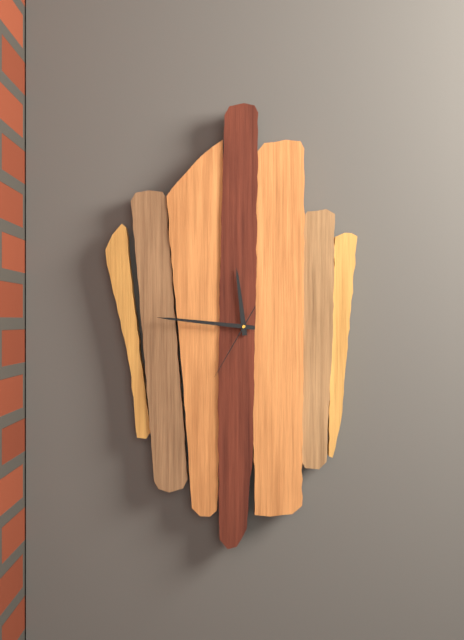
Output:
11,46,35
